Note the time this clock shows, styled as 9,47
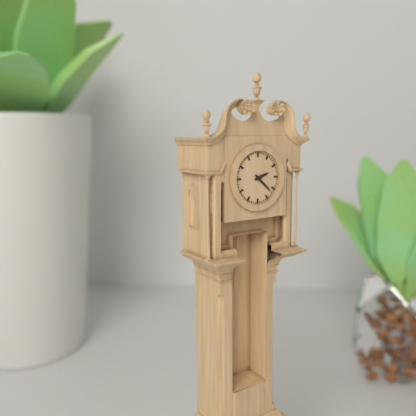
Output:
2,22
